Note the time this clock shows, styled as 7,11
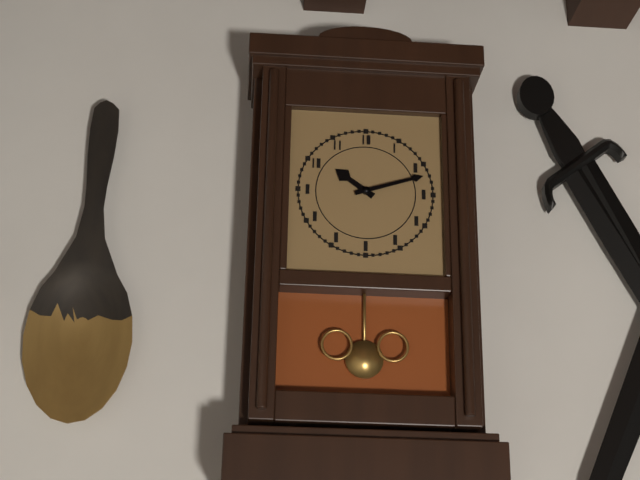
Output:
10,12
